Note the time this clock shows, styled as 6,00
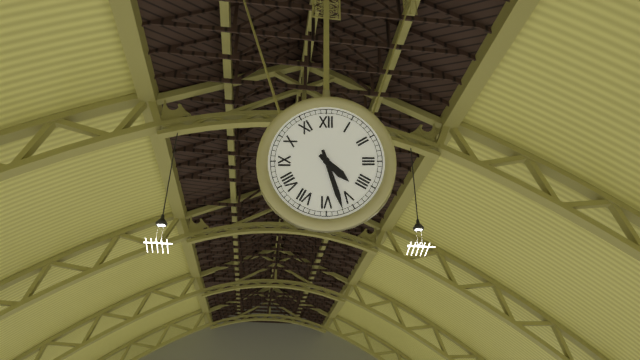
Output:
4,27
